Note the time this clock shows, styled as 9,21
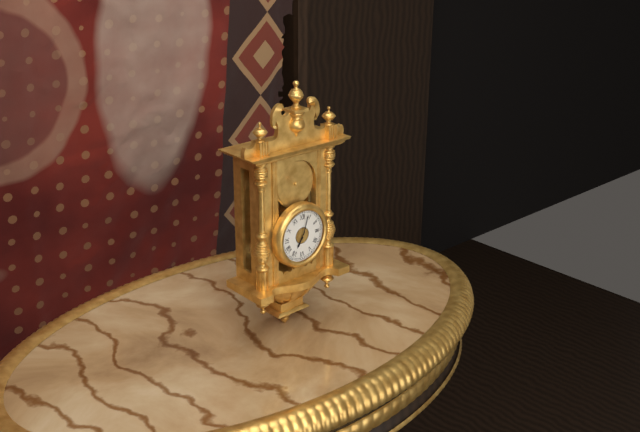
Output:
7,03
